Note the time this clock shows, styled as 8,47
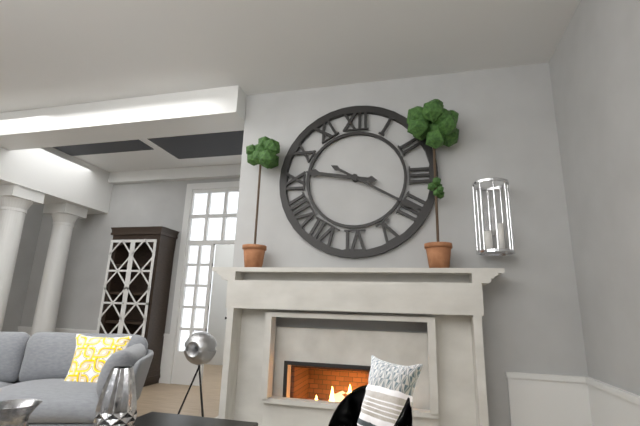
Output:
9,20
